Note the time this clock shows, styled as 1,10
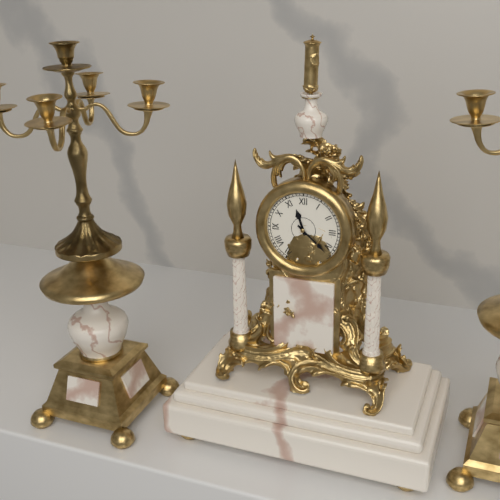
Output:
11,22
